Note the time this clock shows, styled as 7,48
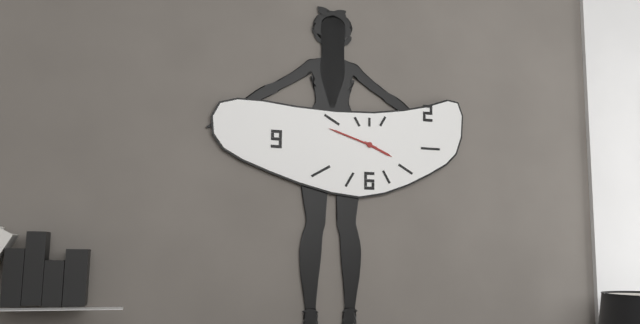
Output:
3,48
